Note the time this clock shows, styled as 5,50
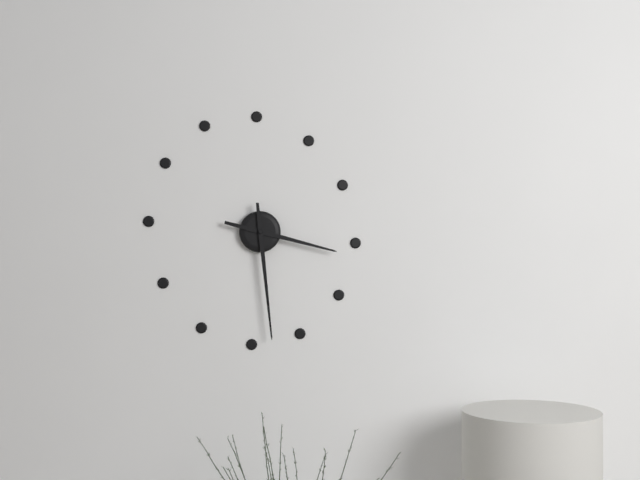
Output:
3,29
